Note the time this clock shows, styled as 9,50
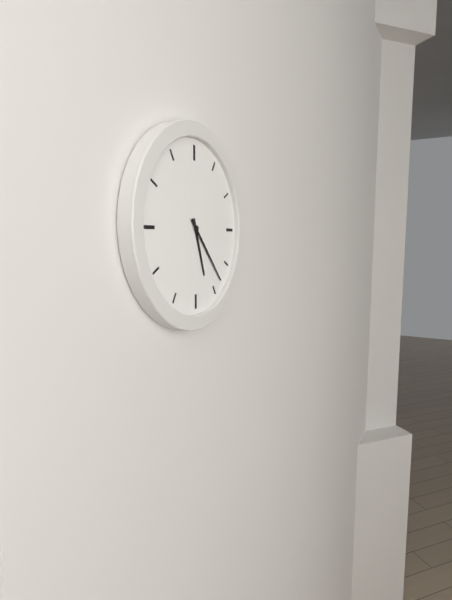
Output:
5,23
